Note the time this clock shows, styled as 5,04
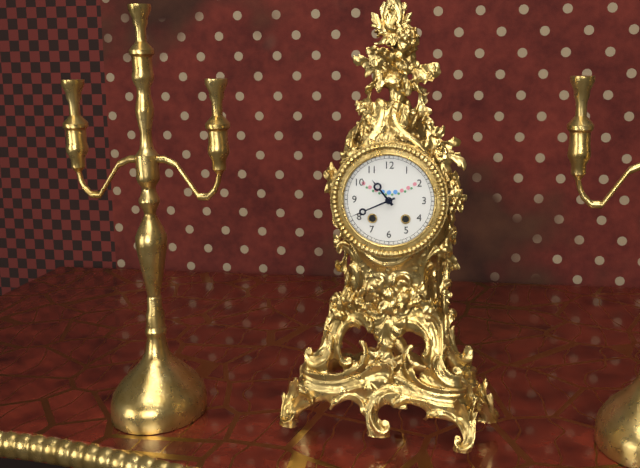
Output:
10,41
